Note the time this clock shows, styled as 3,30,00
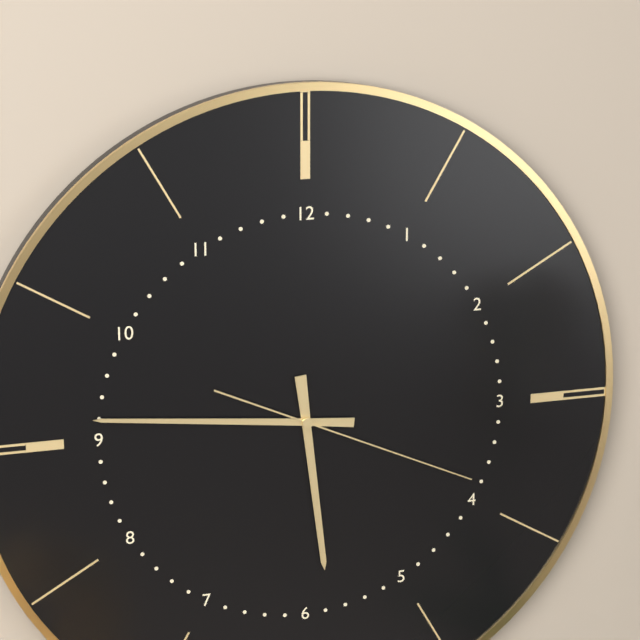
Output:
5,46,19
